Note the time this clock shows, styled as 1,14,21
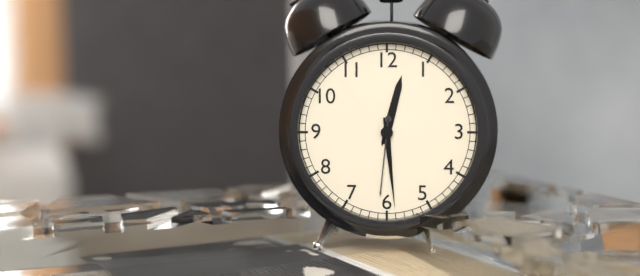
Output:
12,29,31
